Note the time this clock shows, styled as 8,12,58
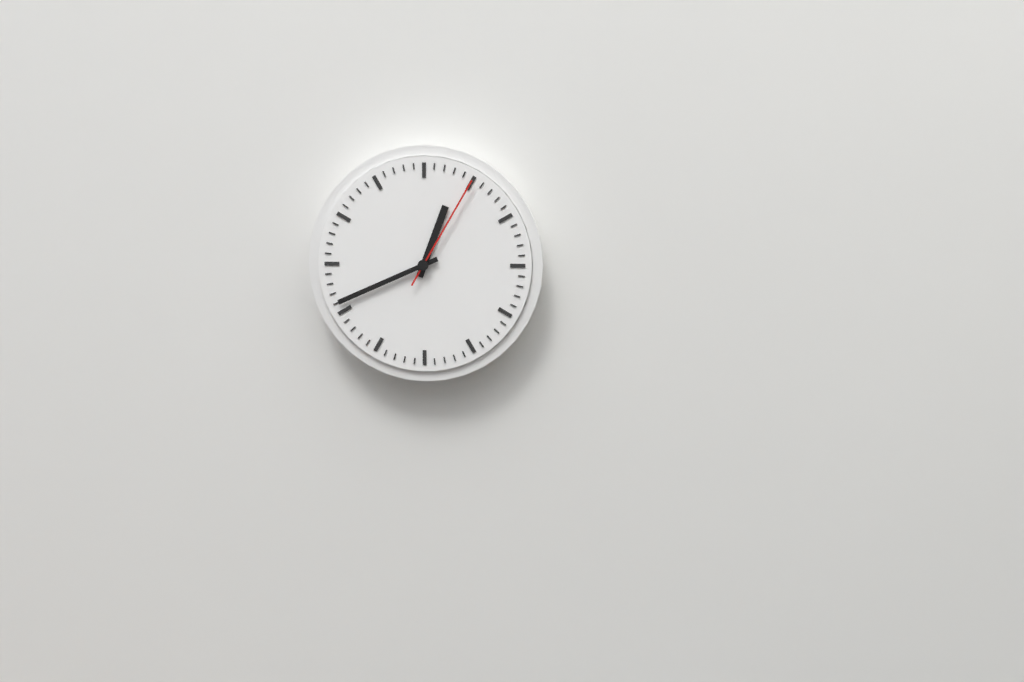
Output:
12,41,05
